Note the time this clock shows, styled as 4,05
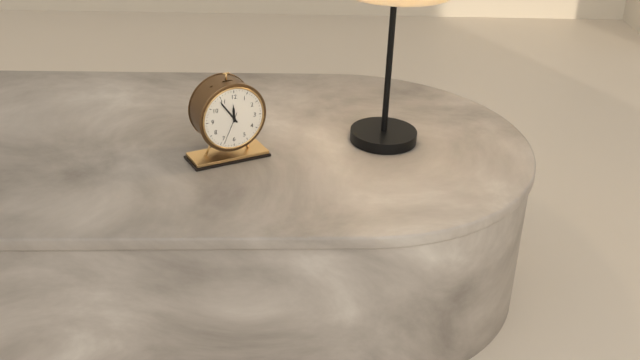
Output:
11,54
